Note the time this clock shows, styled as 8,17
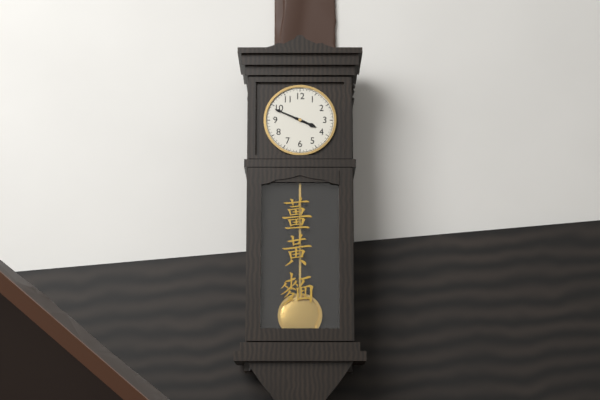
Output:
3,49
